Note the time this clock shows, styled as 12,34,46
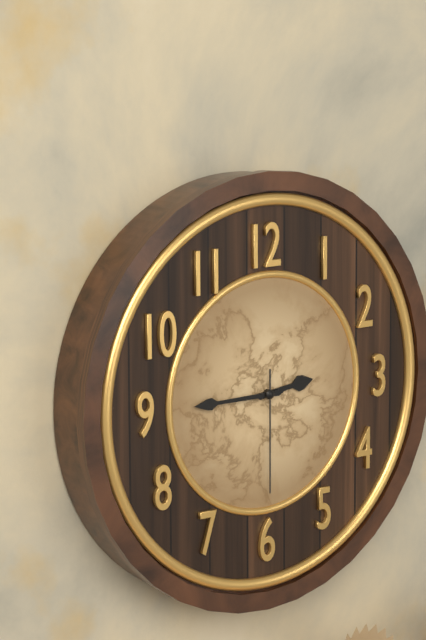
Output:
2,45,30
